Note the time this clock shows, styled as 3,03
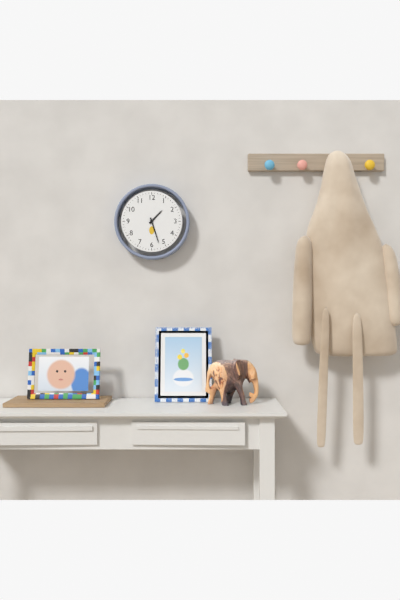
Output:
1,27
